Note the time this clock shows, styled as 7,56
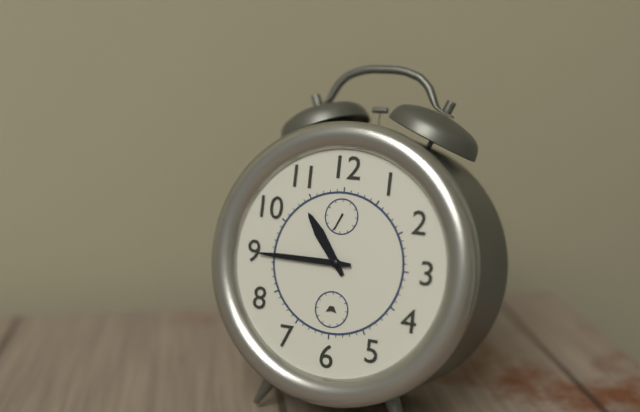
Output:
10,45
